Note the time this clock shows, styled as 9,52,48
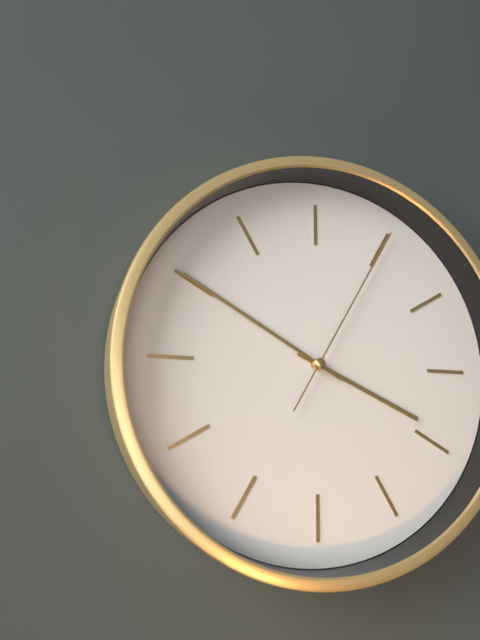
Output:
3,50,05
